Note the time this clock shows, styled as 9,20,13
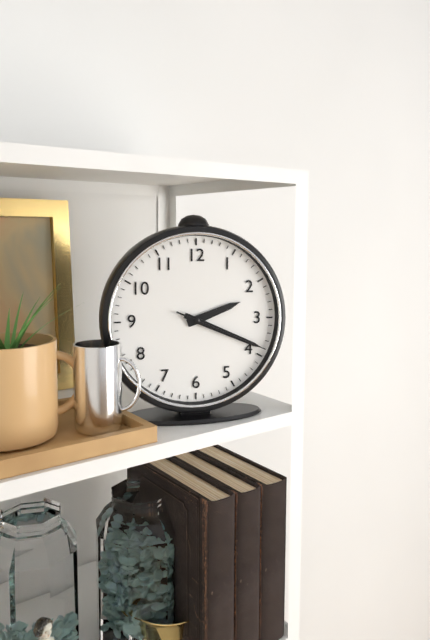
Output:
2,19,19
